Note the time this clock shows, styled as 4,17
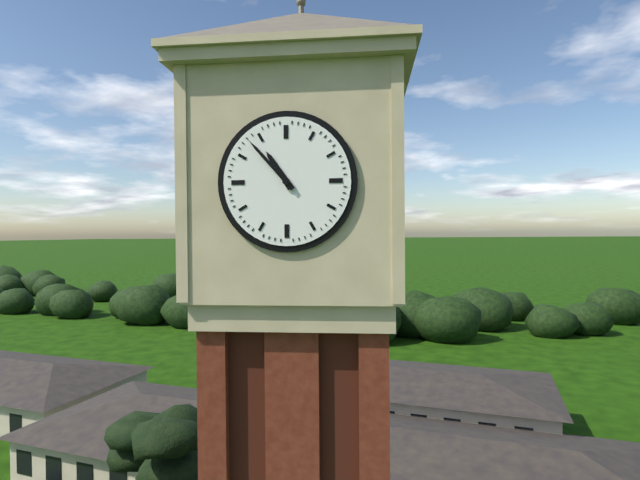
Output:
10,53
